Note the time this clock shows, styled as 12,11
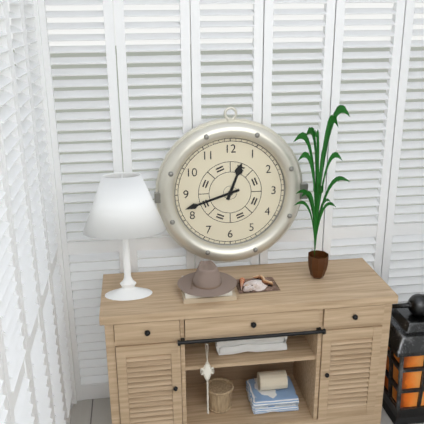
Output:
12,42
